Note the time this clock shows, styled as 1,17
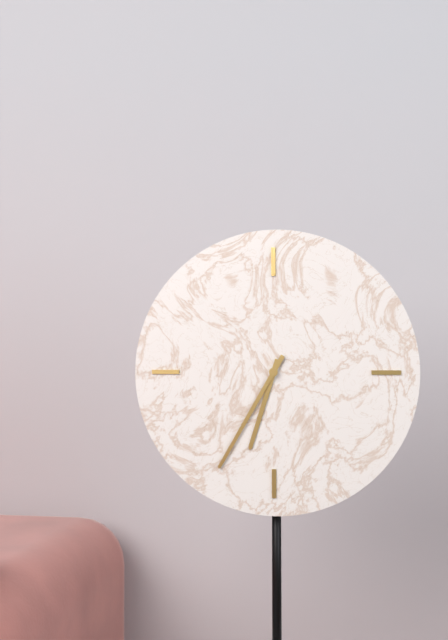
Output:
6,35
